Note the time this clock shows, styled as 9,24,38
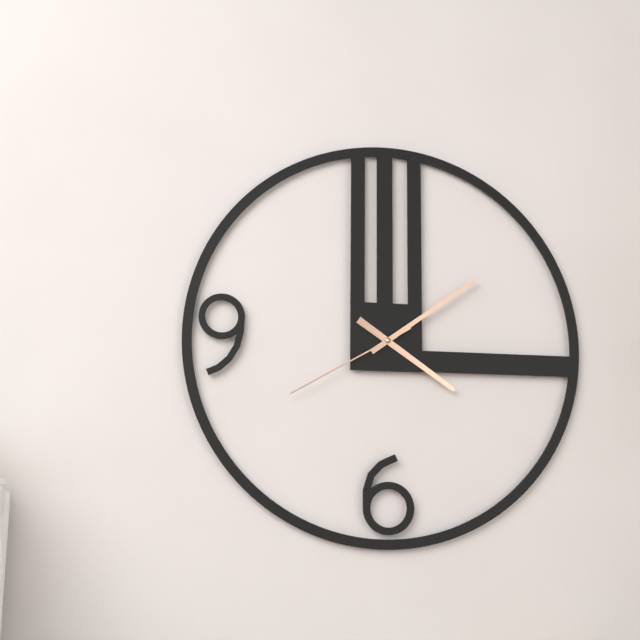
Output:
4,09,40
